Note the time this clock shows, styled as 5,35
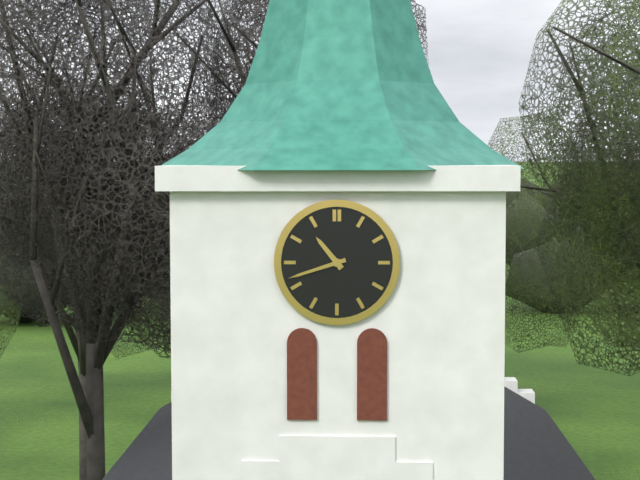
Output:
10,42
